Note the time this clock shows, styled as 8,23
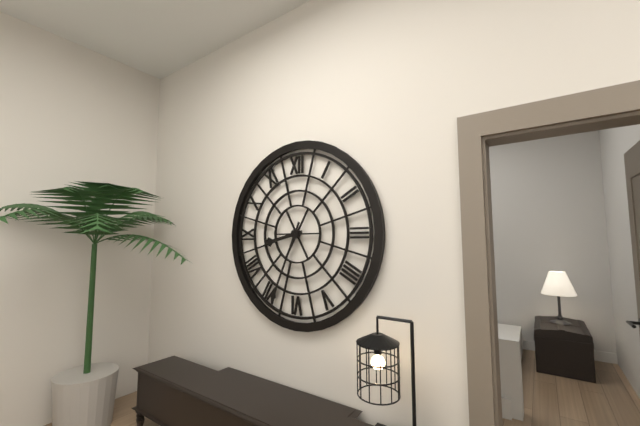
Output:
8,34
